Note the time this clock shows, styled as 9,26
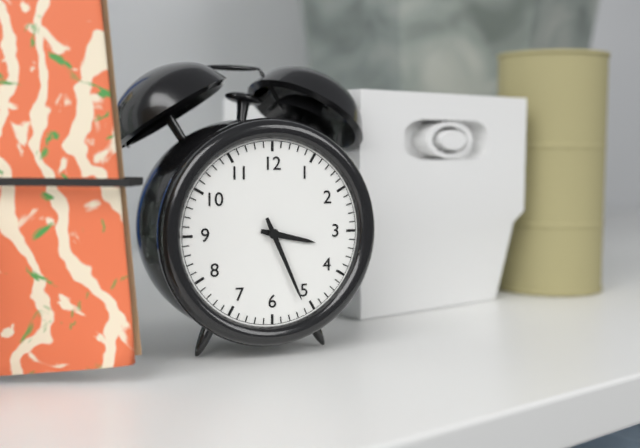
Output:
3,26
